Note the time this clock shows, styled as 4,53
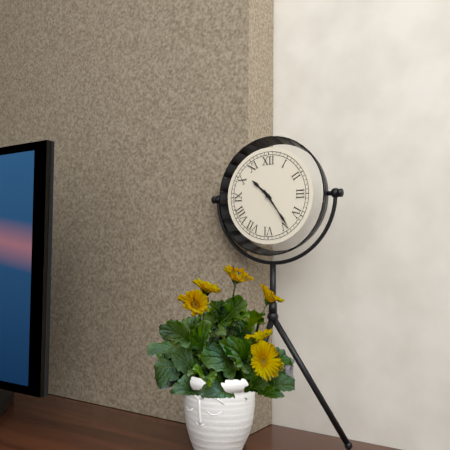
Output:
10,24
